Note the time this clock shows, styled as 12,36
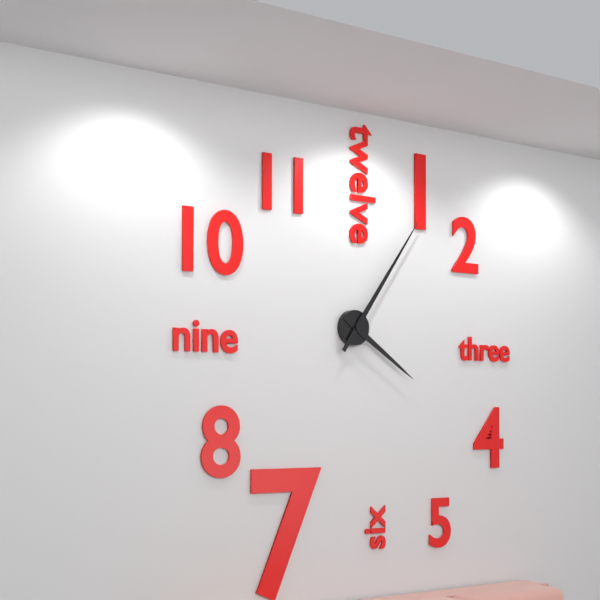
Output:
4,06
